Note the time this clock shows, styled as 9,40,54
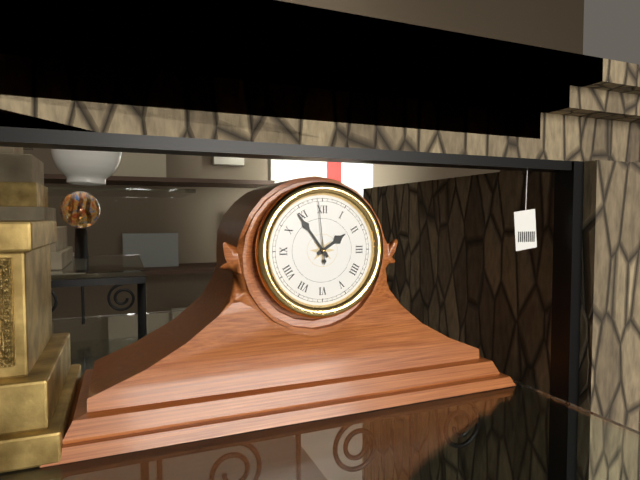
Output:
1,54,59
